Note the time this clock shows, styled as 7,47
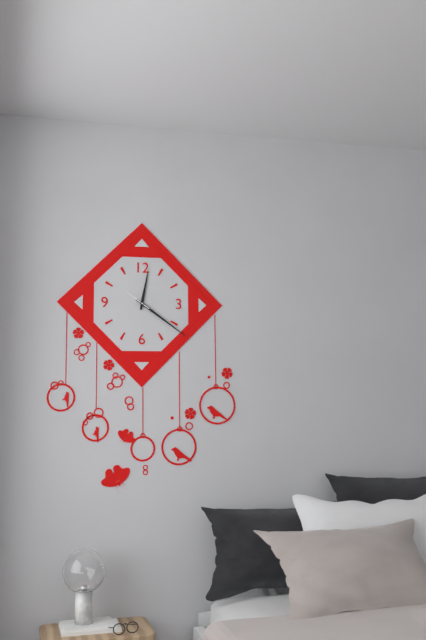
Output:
12,21
